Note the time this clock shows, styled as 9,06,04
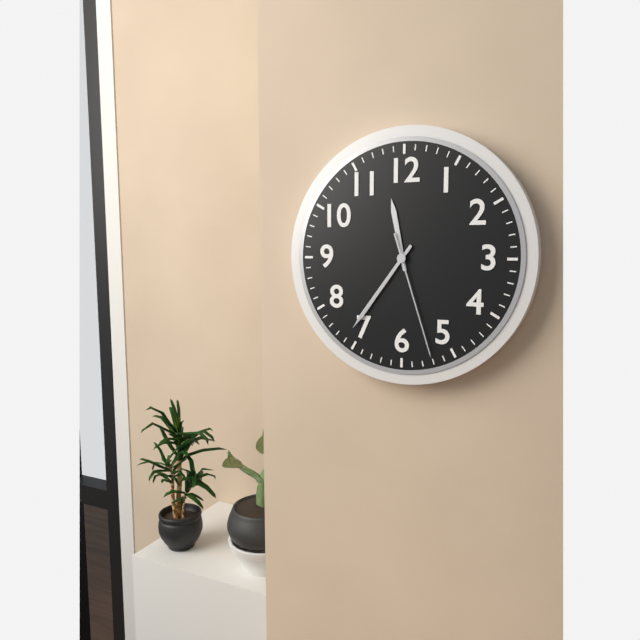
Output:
11,36,27
